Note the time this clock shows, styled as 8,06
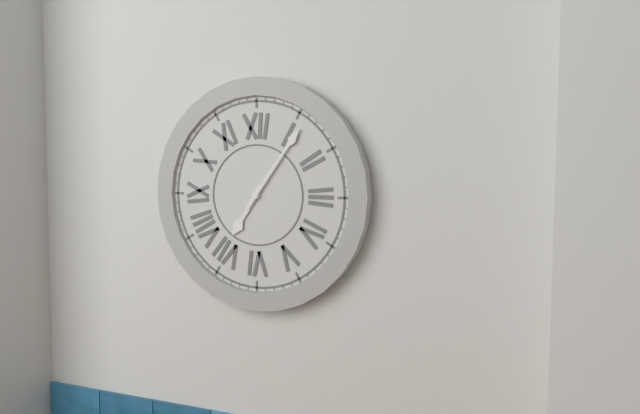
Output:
7,06
